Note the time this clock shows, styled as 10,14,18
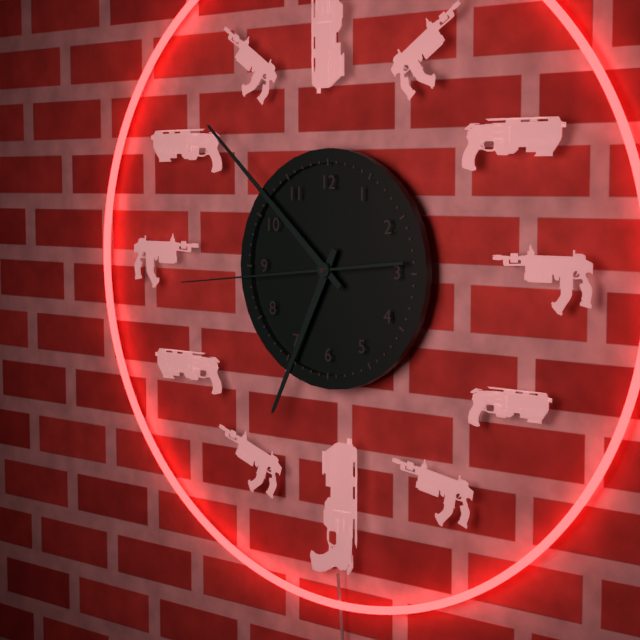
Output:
6,52,44
